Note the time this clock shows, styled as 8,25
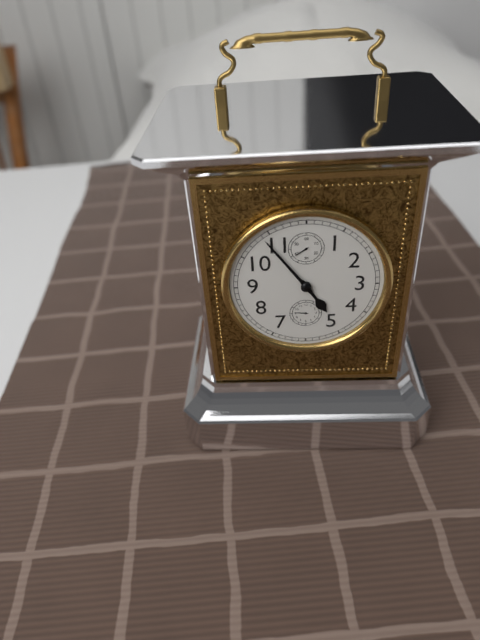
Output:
4,54
